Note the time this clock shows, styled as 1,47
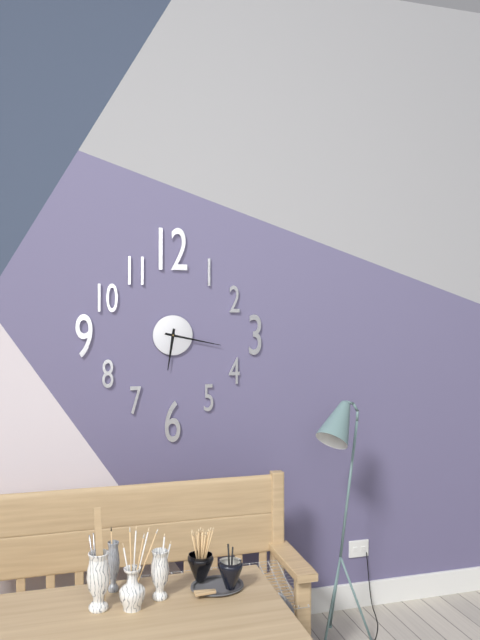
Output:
6,17
